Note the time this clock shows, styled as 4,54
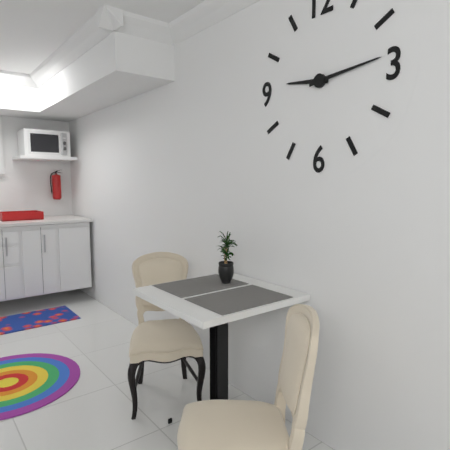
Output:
9,14
